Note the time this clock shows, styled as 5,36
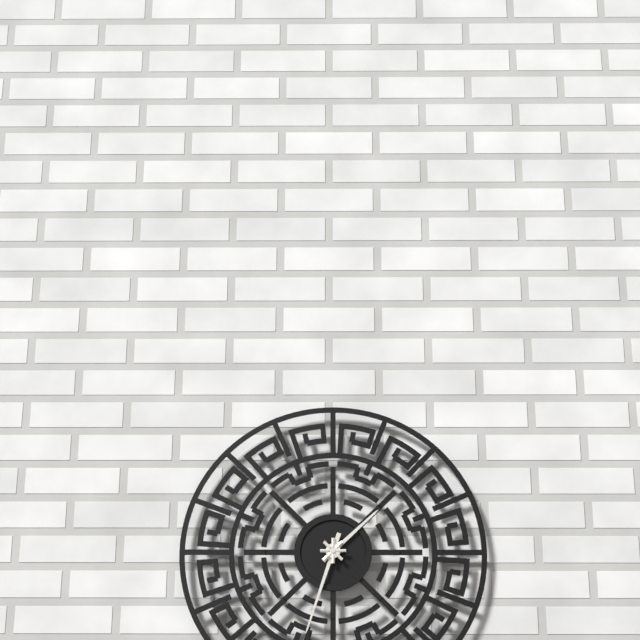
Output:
1,33
